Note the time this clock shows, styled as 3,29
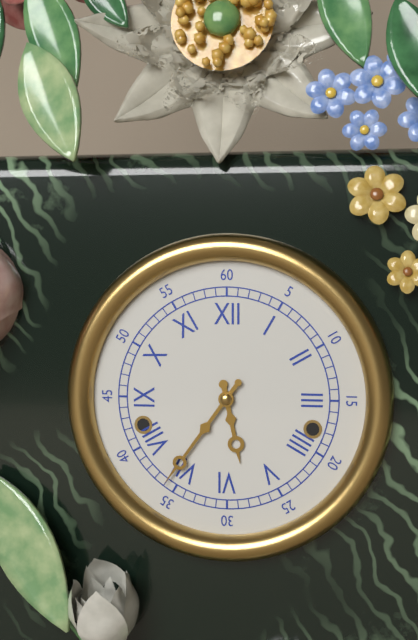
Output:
5,36
